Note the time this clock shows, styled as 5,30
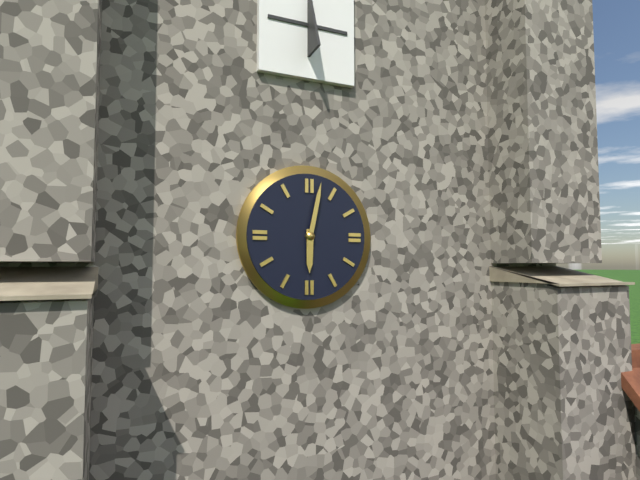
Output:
6,02
